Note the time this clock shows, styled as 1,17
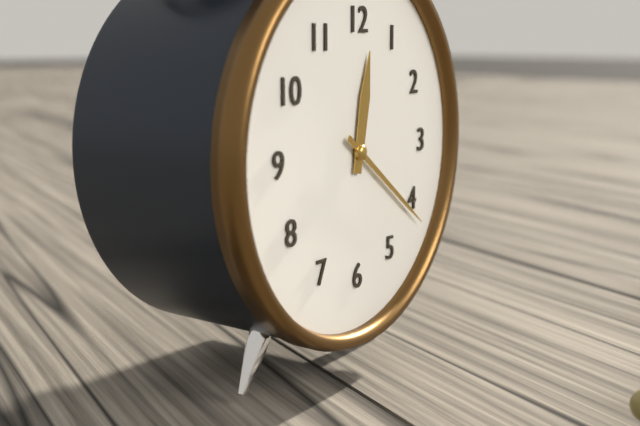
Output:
12,21
